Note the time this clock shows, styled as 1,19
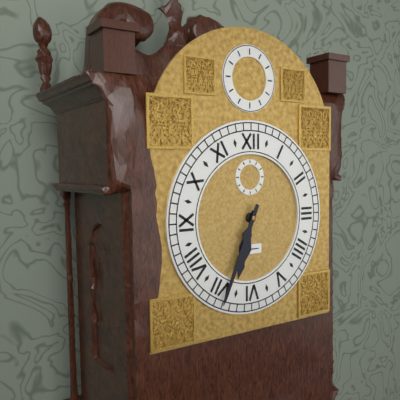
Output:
6,34
